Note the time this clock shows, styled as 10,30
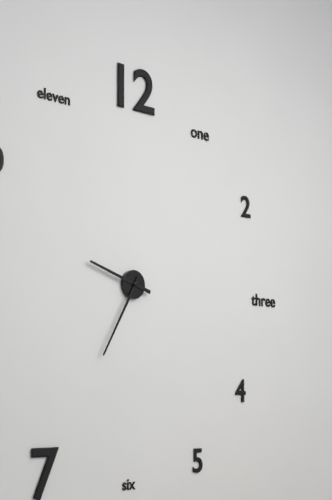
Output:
9,35
